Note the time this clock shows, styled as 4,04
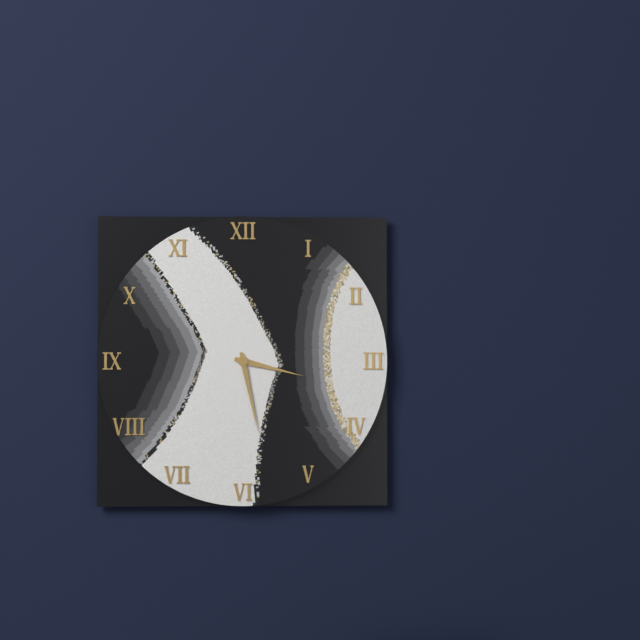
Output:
3,28
